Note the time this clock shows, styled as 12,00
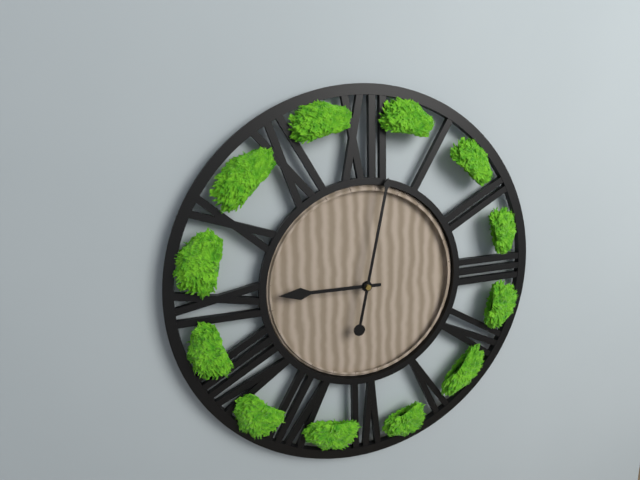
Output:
9,02
